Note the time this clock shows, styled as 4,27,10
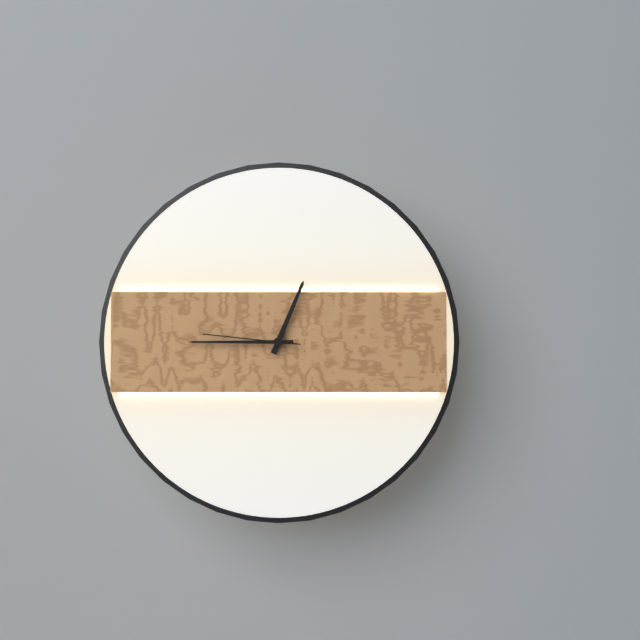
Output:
12,45,46
